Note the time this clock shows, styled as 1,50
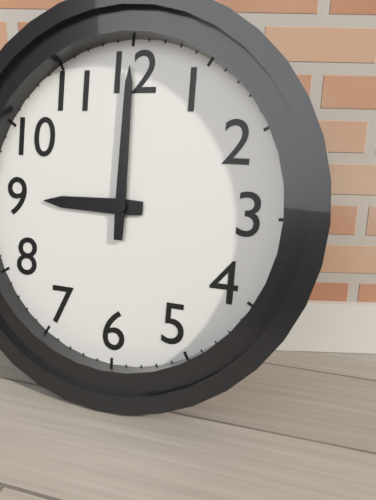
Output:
9,00
